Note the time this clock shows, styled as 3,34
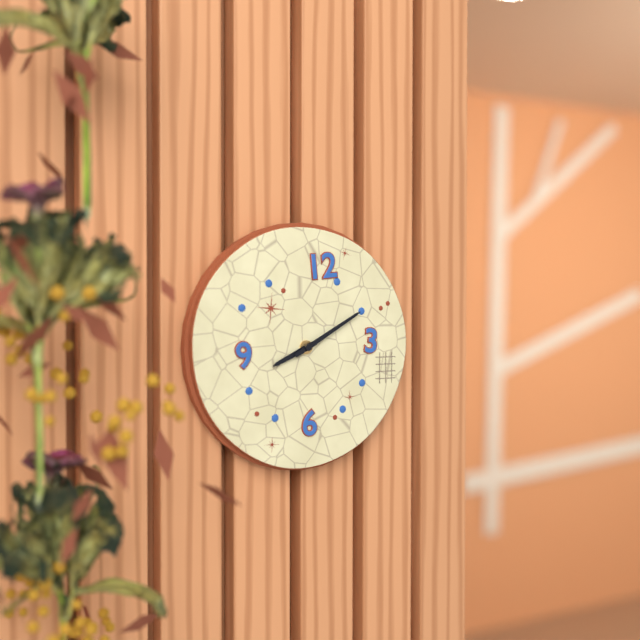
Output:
8,10
